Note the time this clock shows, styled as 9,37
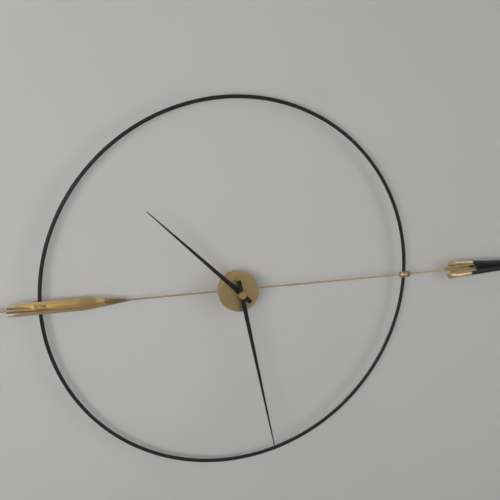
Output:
10,28
